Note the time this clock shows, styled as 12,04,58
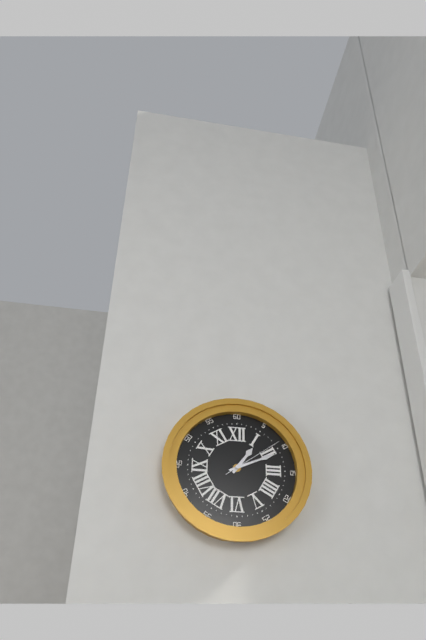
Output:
1,11,09
